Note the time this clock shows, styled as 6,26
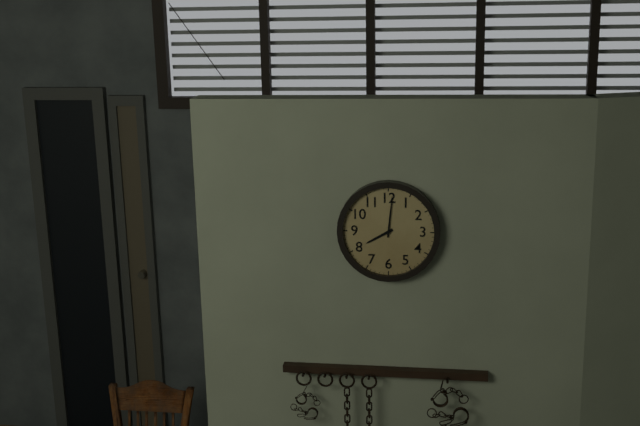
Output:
8,01
